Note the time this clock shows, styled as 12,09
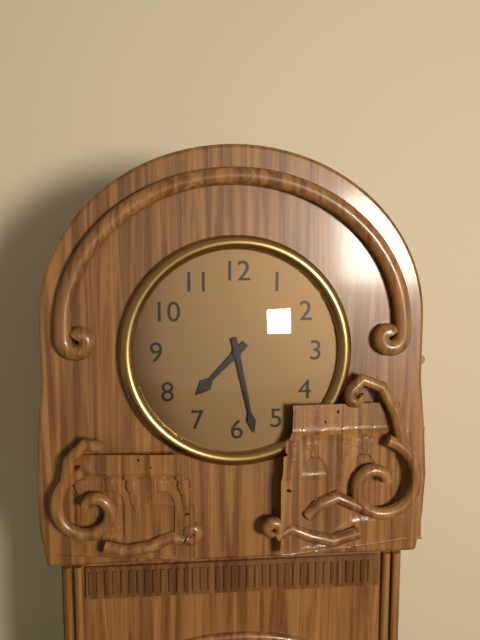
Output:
7,28
